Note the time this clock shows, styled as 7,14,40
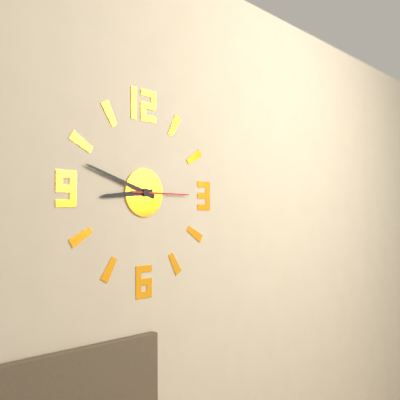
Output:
8,48,15
